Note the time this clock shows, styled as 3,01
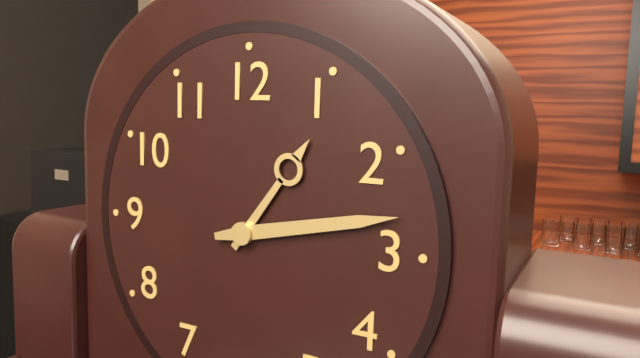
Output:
1,13
